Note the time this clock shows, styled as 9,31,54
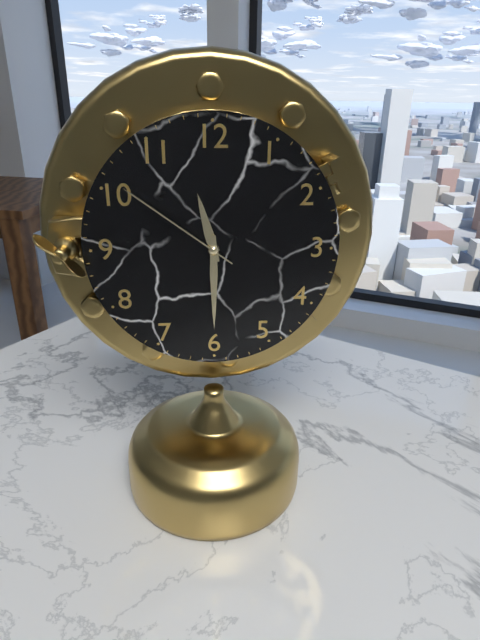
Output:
11,30,51
